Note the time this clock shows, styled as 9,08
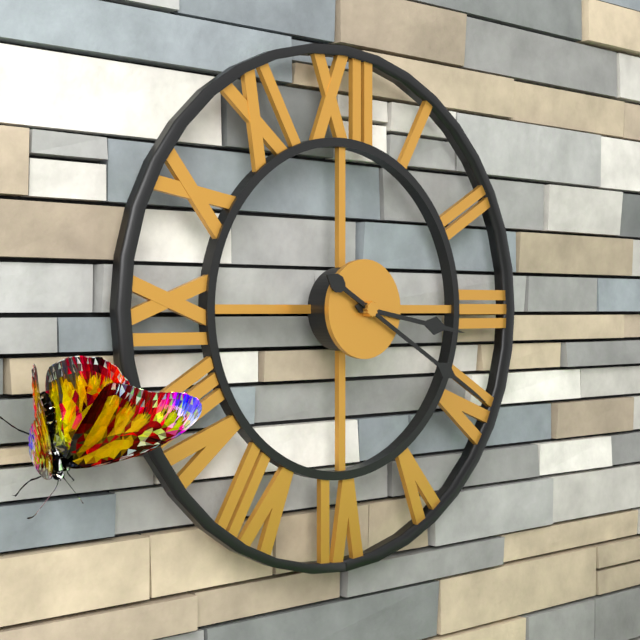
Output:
3,20
